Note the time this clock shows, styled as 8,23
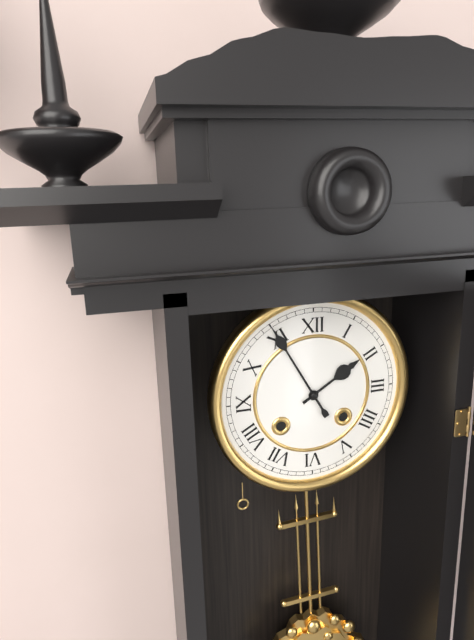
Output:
1,55
